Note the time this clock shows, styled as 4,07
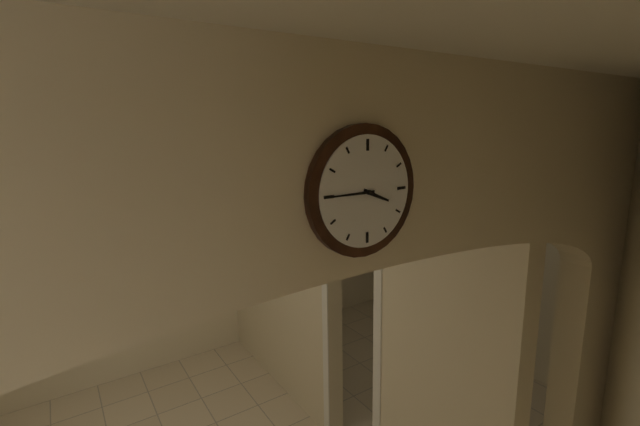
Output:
3,45
